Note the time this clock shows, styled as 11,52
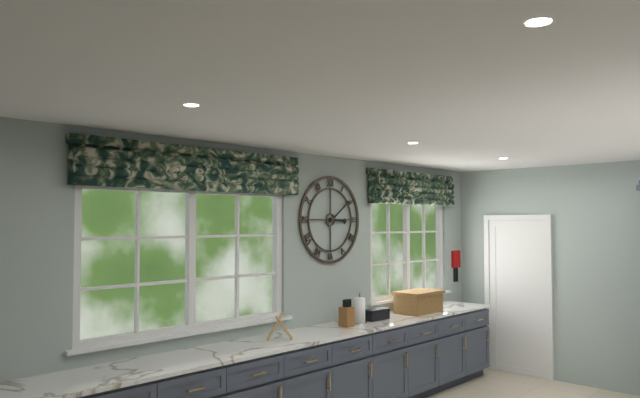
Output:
3,09
